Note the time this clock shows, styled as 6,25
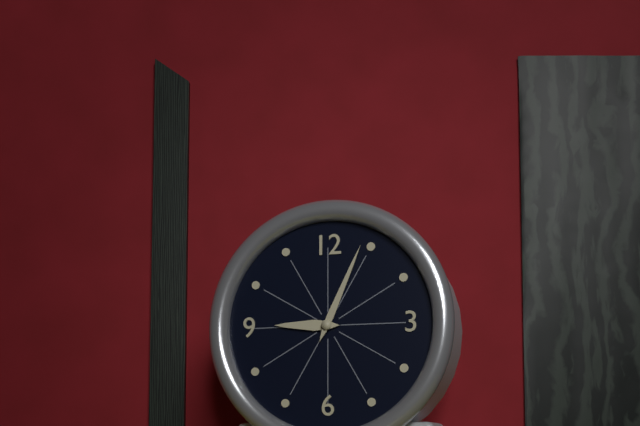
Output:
9,04
